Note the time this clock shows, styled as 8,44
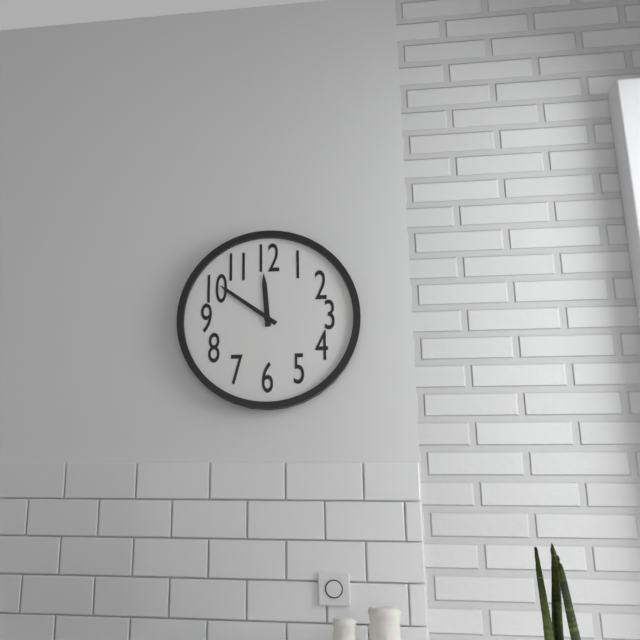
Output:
11,51
